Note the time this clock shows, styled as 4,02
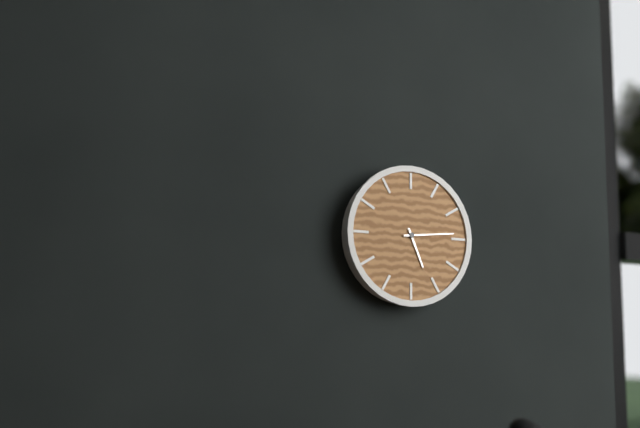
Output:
5,14
